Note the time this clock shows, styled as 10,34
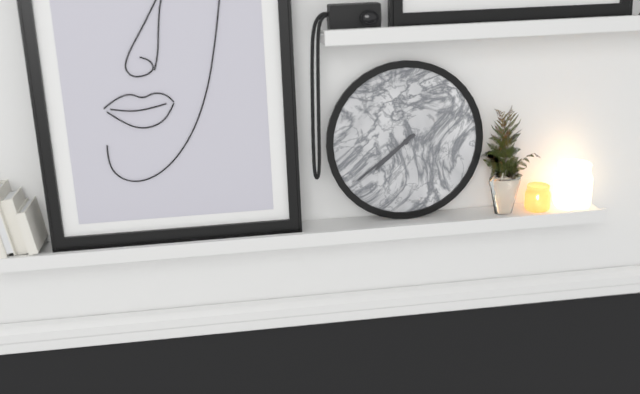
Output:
7,39
